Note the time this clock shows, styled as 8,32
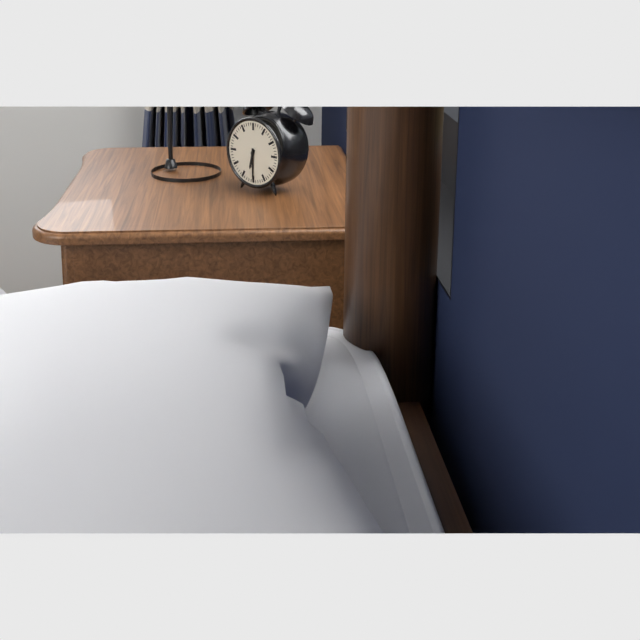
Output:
6,30
